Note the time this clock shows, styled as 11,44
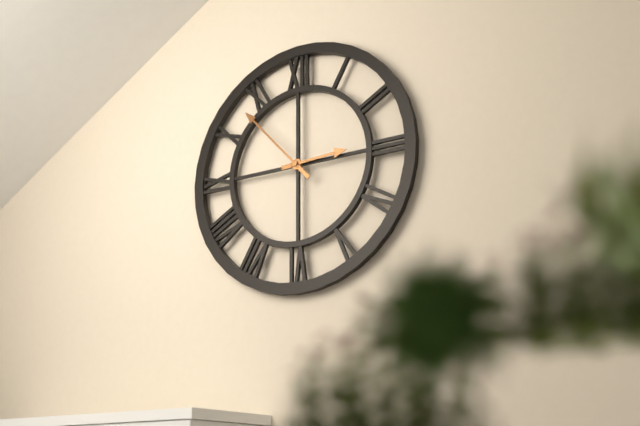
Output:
2,53
